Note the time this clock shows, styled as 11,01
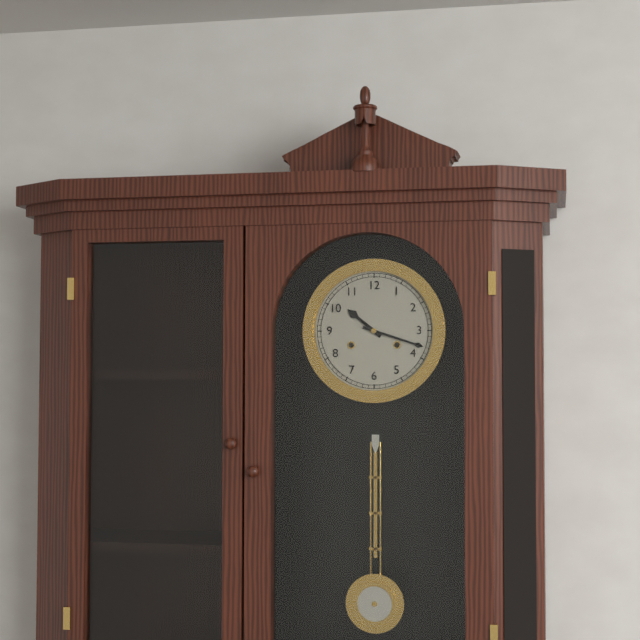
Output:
10,18
